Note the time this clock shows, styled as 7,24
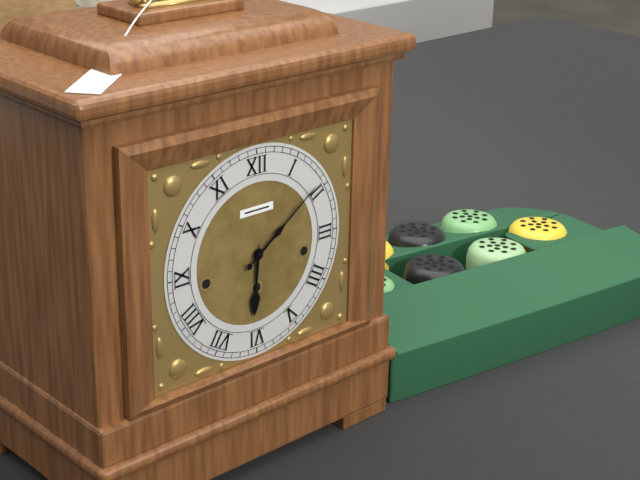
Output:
6,09
